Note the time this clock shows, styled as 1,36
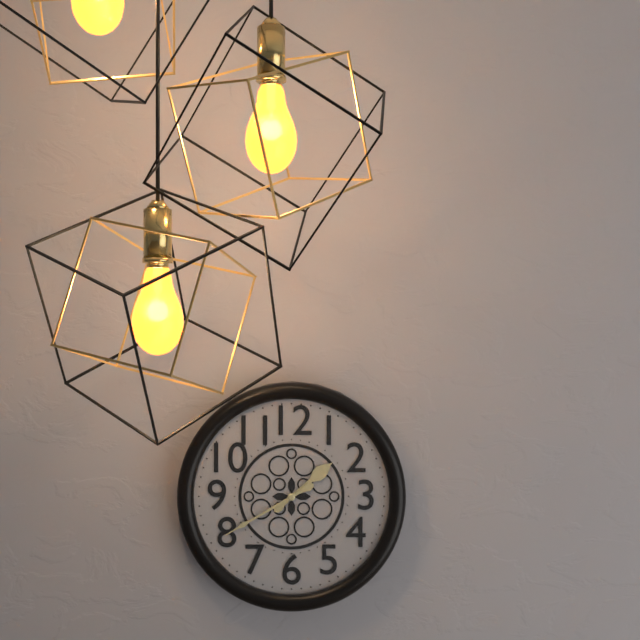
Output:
1,40
